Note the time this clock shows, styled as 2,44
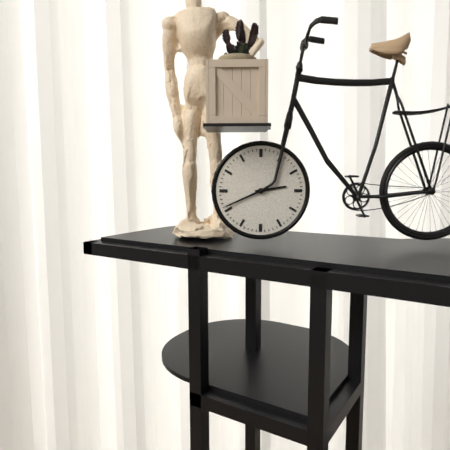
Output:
2,41
